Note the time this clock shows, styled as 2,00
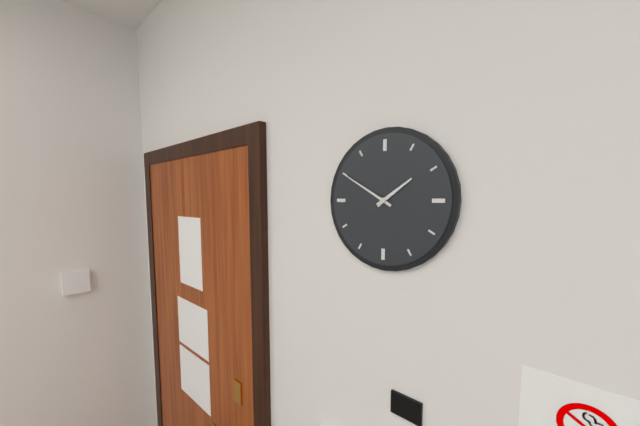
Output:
1,50
